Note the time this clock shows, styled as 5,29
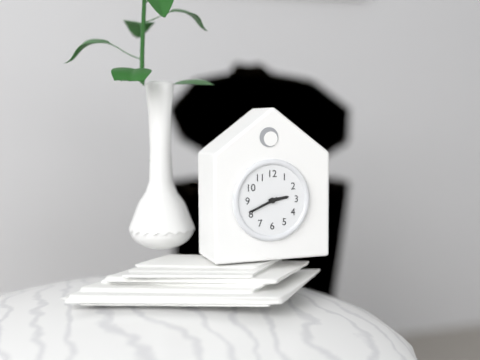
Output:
2,41
